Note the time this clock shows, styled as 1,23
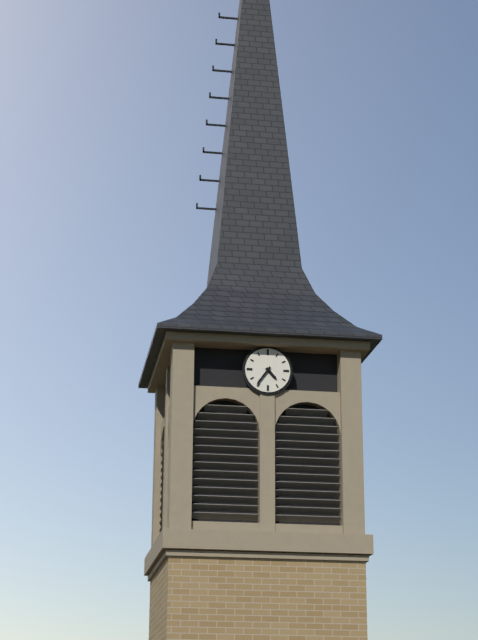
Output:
4,36
